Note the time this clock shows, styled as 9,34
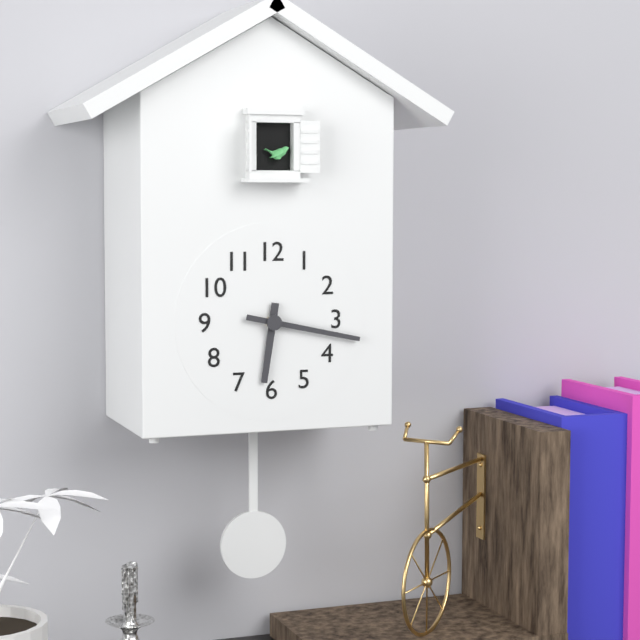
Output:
6,17
